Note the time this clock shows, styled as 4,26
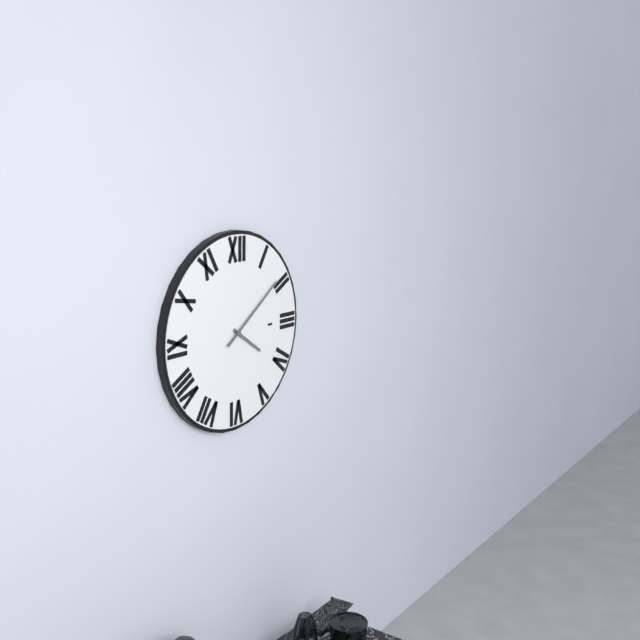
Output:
4,09
